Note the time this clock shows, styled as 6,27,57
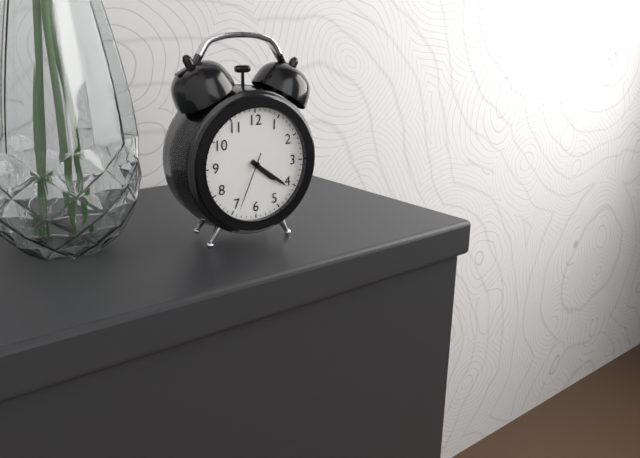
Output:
4,21,34
